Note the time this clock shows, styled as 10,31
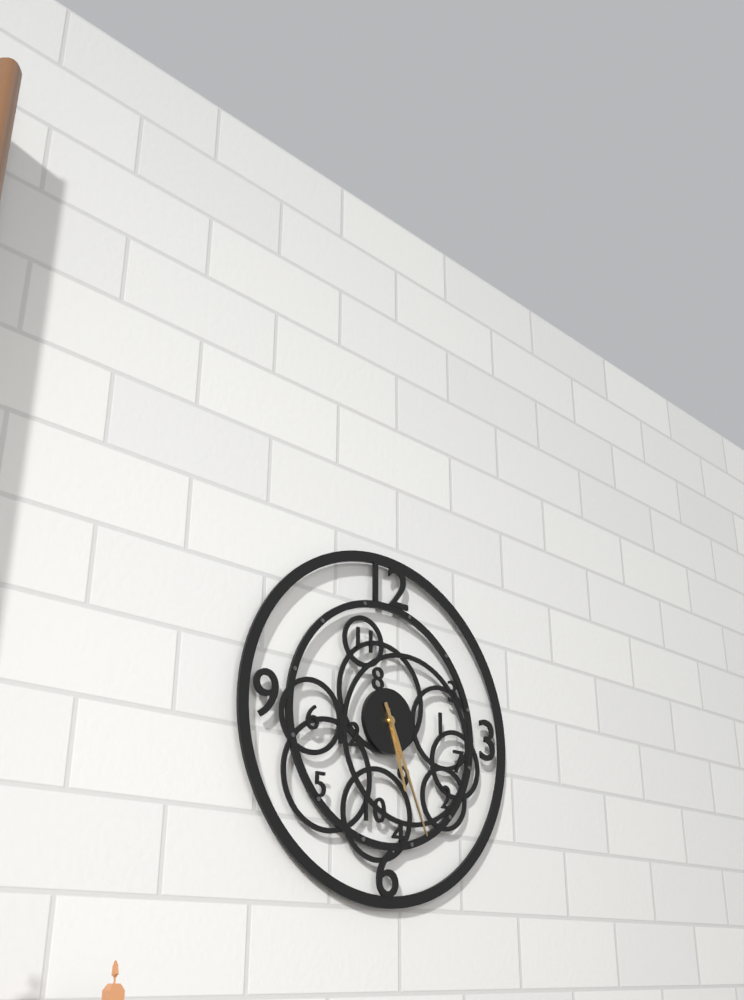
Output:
5,26
